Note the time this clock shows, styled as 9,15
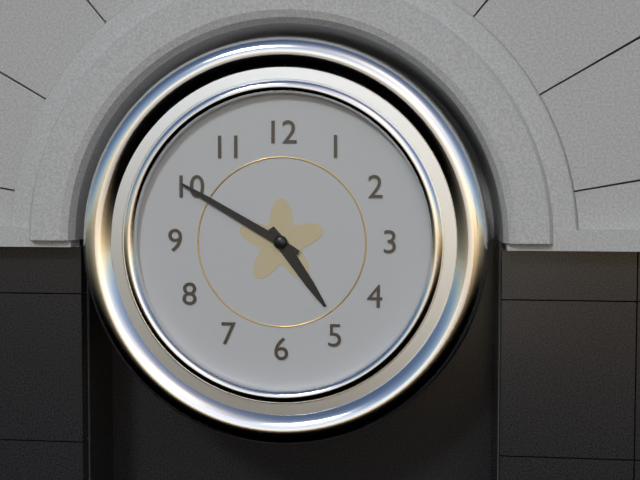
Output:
4,50
